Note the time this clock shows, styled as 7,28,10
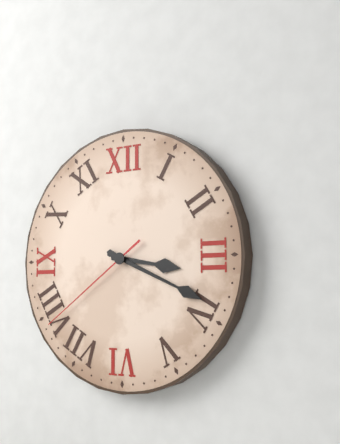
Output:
3,19,39
